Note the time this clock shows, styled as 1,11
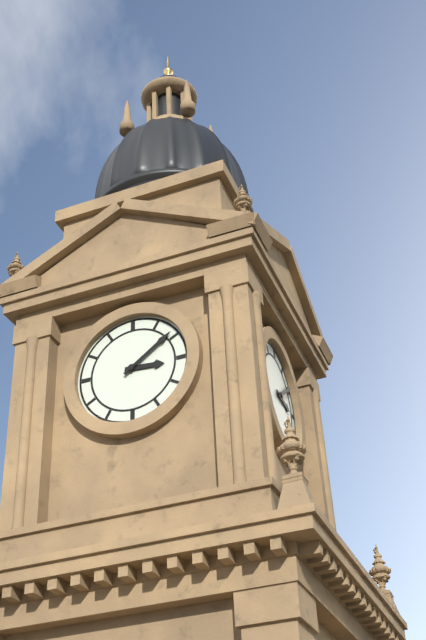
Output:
3,09
